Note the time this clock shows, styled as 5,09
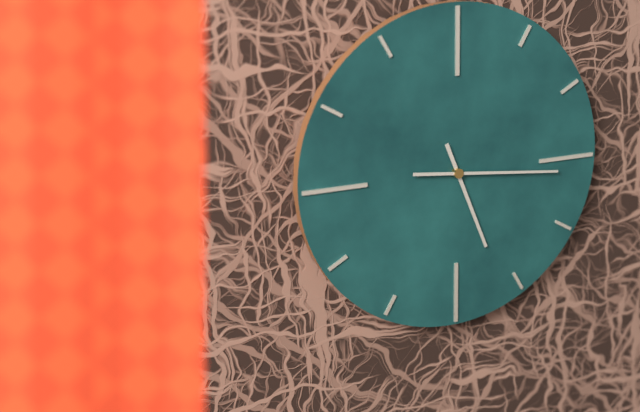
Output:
5,16
